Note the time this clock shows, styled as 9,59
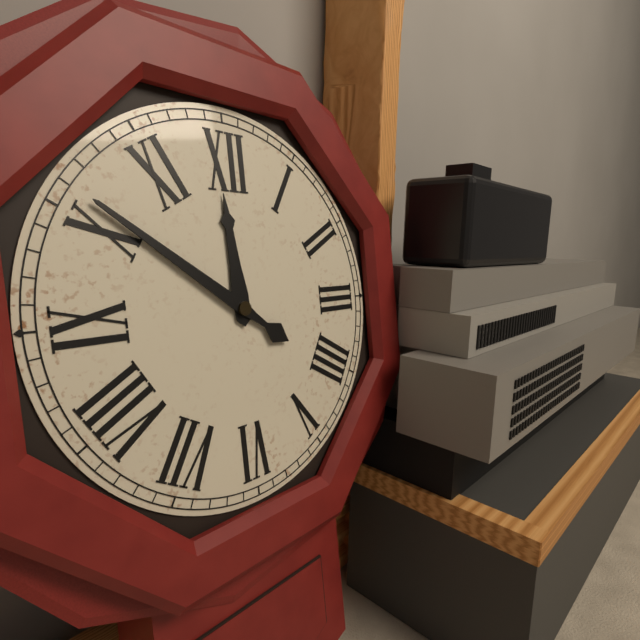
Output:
11,51
